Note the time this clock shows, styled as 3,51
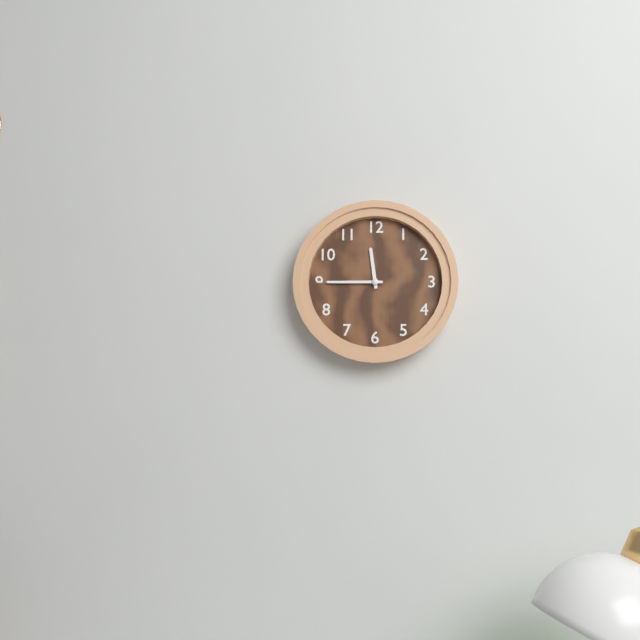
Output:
11,45
